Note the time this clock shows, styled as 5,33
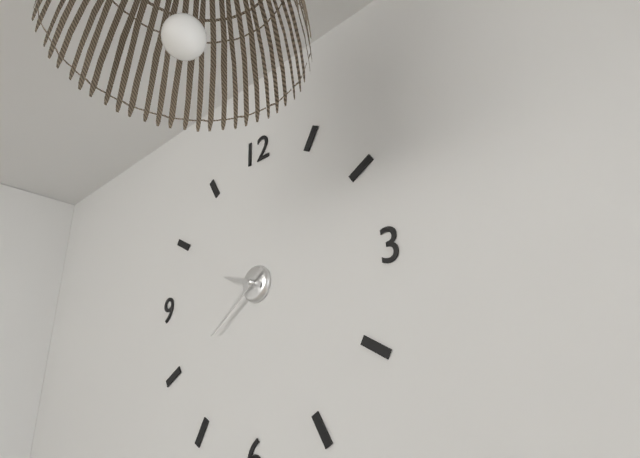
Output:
9,39
